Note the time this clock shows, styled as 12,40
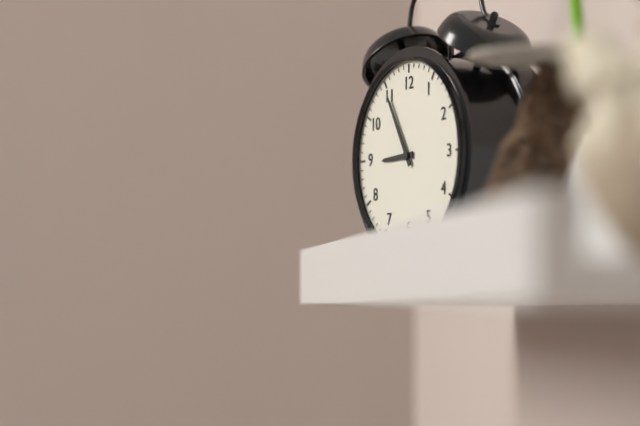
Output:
8,55
